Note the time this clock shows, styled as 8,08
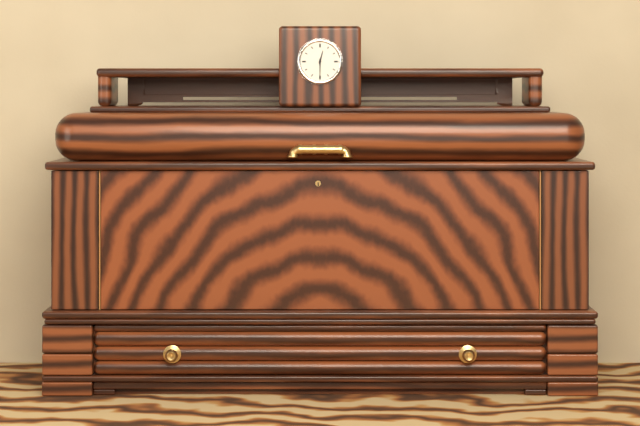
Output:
12,30
